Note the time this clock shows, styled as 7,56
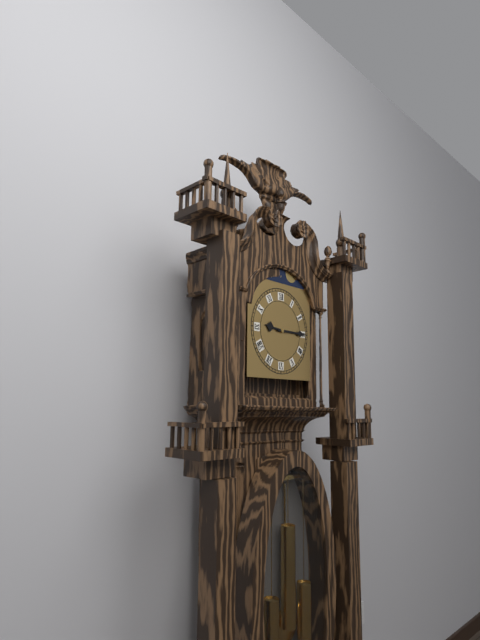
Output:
9,15
